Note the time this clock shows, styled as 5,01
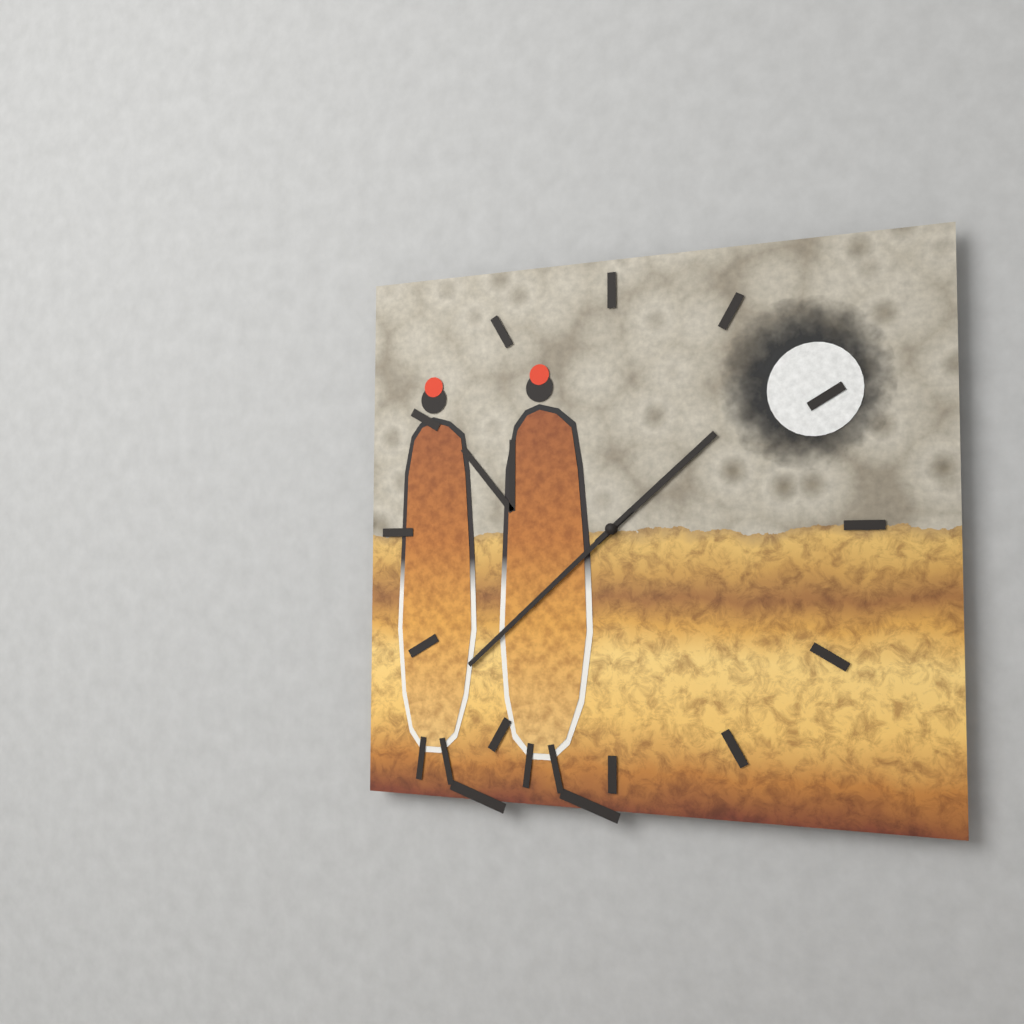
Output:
1,38
